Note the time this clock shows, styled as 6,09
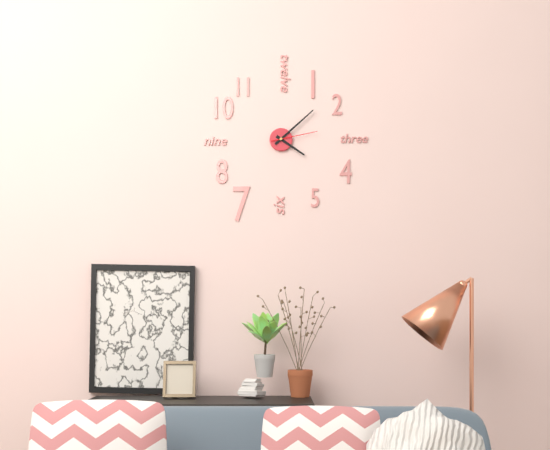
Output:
4,08
